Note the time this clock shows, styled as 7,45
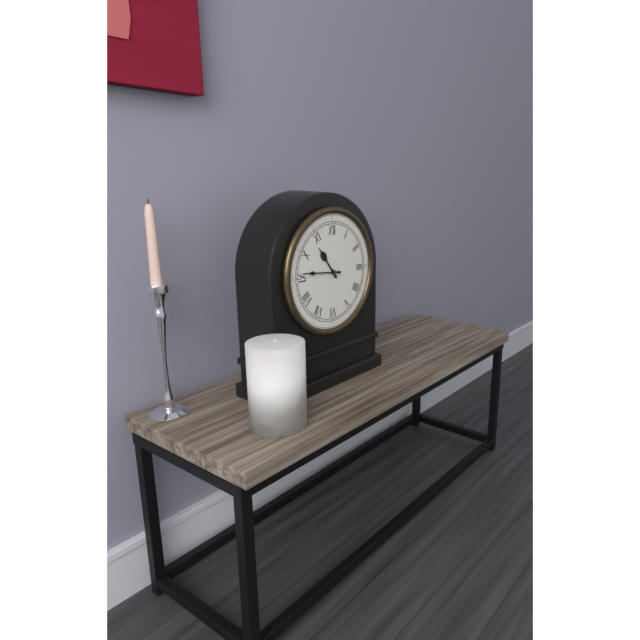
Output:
10,46
